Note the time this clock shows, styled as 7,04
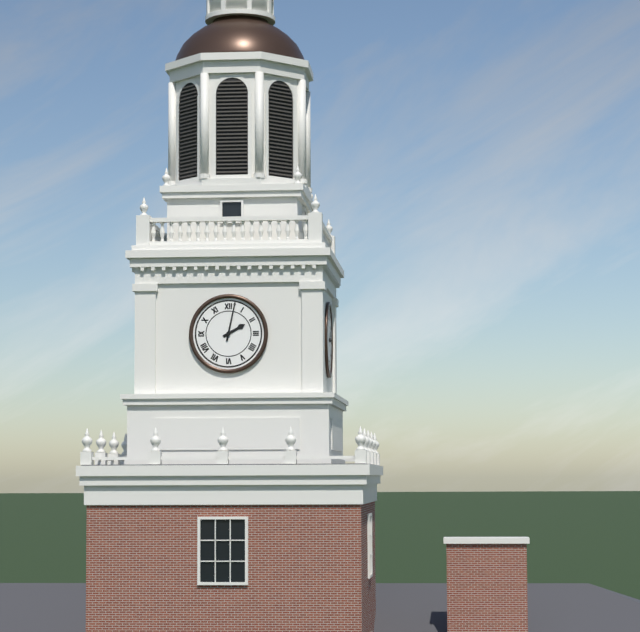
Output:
2,02
